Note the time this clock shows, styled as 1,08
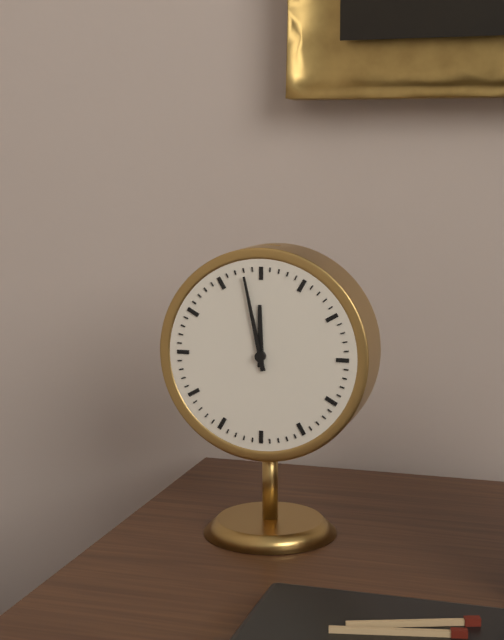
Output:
11,58
